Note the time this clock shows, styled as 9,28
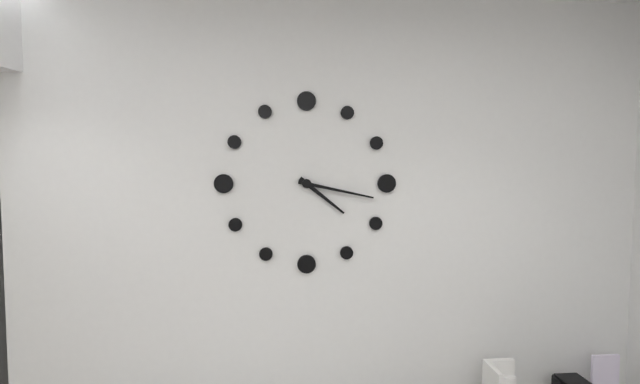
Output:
4,17
